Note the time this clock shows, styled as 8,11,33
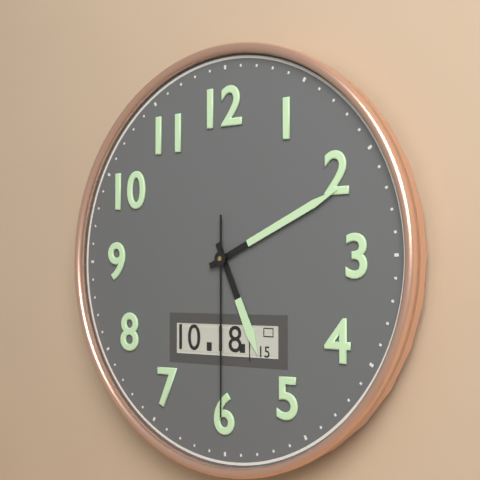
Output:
5,11,30
